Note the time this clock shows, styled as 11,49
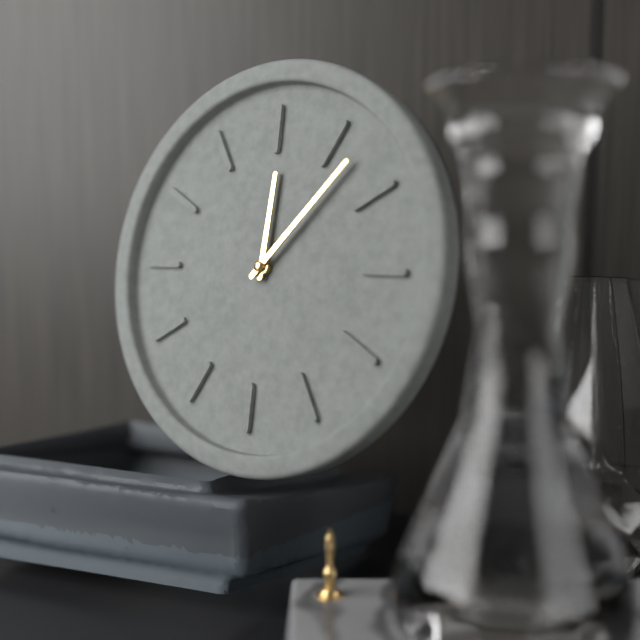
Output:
12,07
